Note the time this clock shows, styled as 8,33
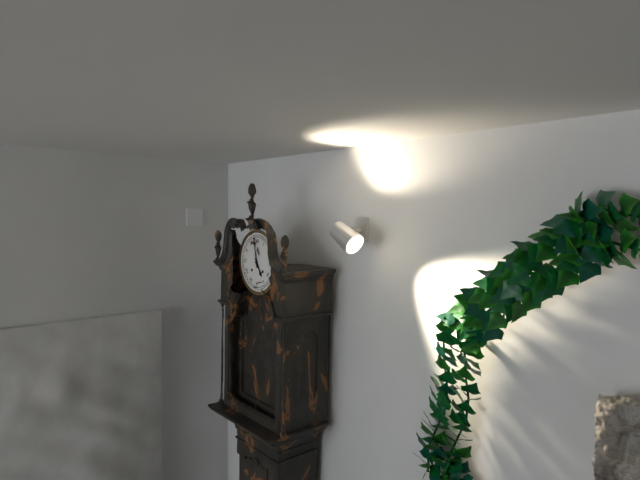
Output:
4,58
